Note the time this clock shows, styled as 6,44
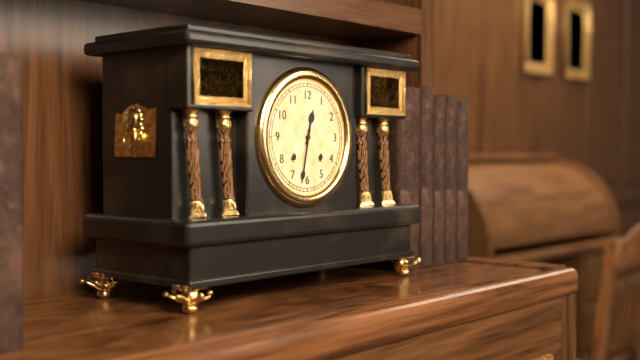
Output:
12,32
